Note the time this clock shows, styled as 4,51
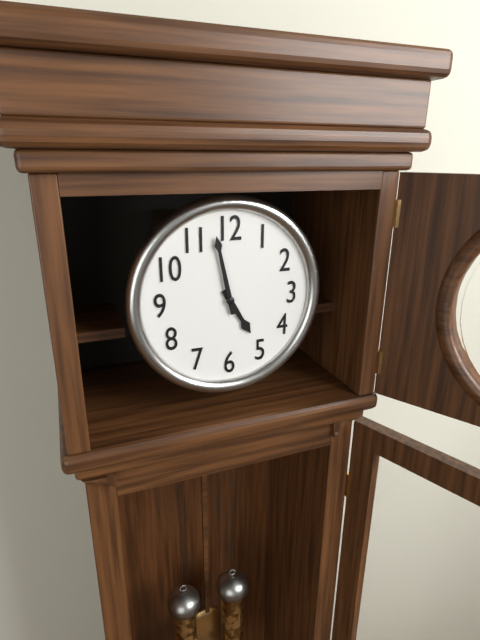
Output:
4,58
